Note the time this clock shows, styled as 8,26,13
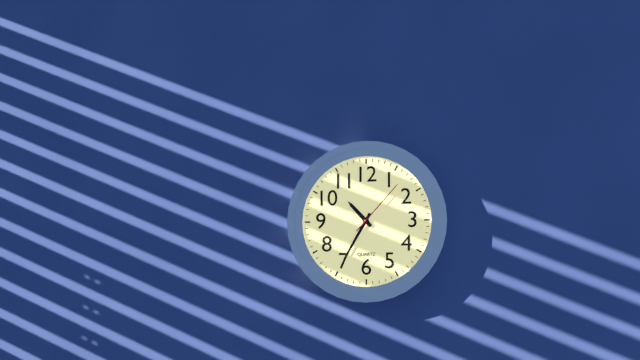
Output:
10,35,07
